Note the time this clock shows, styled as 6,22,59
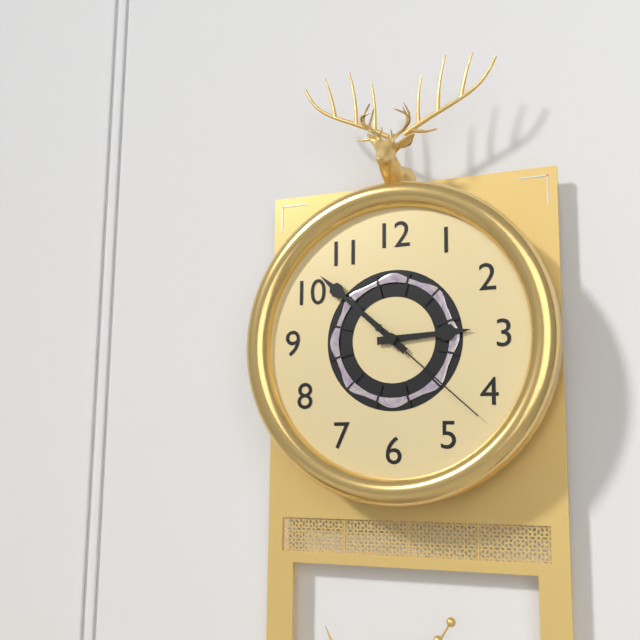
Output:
2,52,22
